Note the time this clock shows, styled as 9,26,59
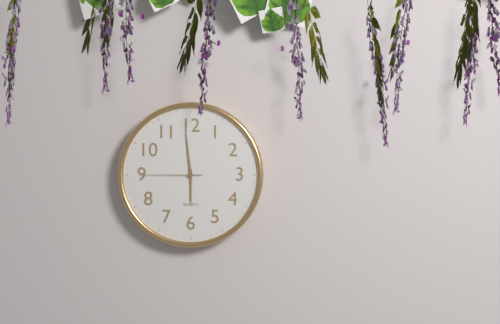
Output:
5,59,45
